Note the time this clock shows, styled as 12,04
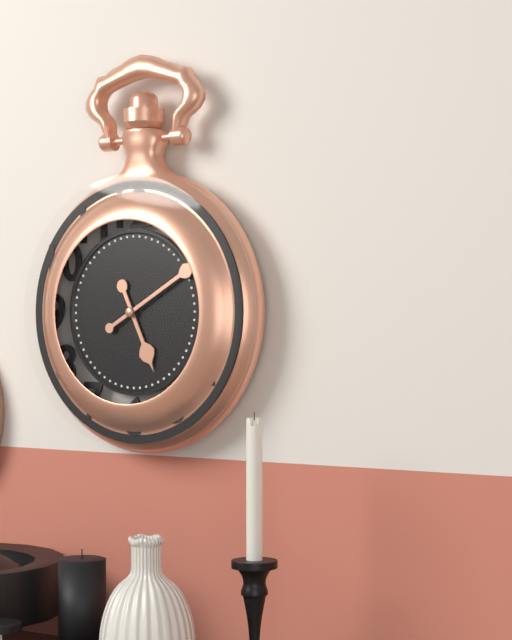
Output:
5,10
